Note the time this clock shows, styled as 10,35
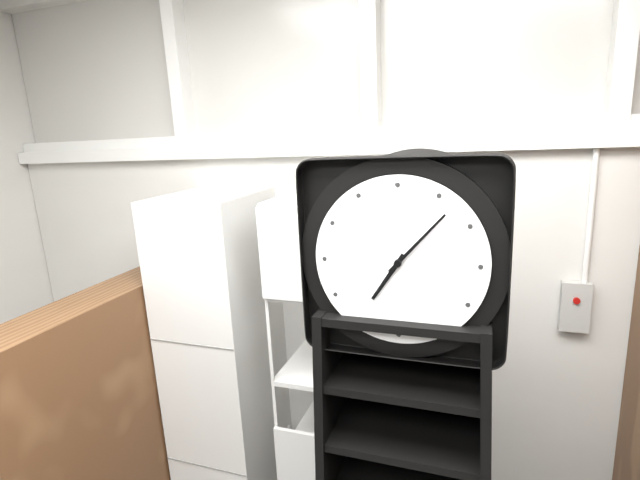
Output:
7,07
